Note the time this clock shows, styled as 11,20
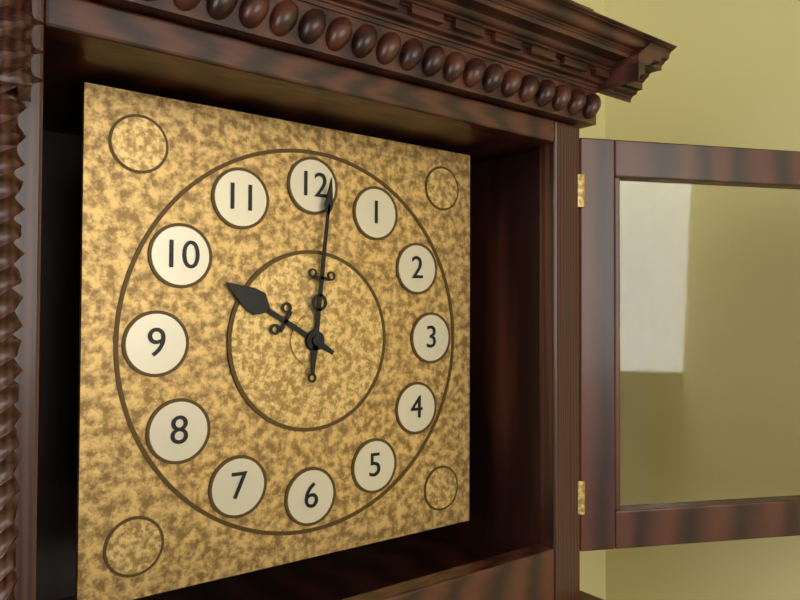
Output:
10,01
